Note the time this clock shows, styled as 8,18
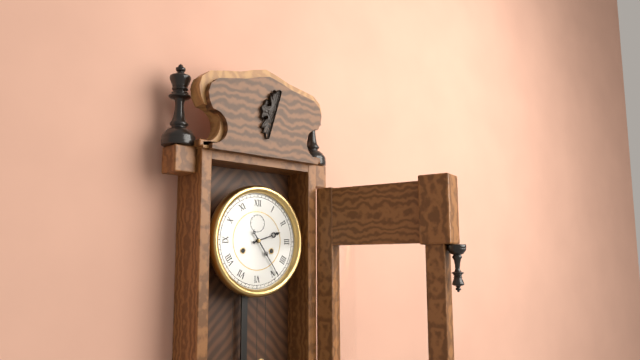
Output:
2,24
